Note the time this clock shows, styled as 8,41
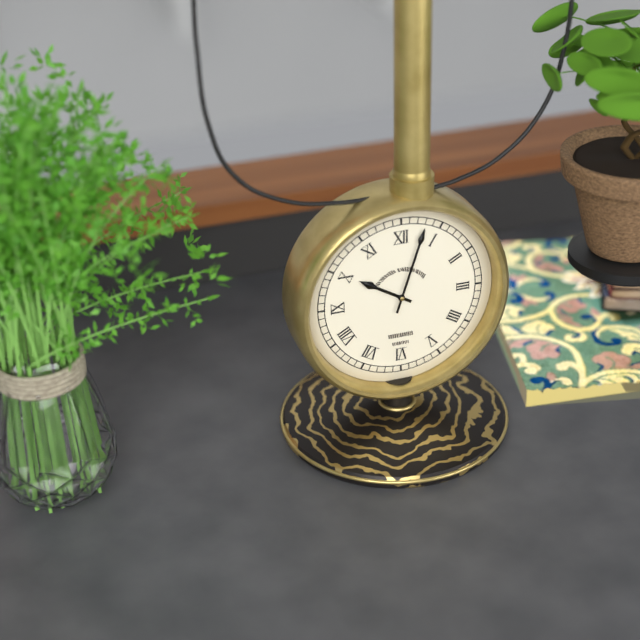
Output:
10,03
